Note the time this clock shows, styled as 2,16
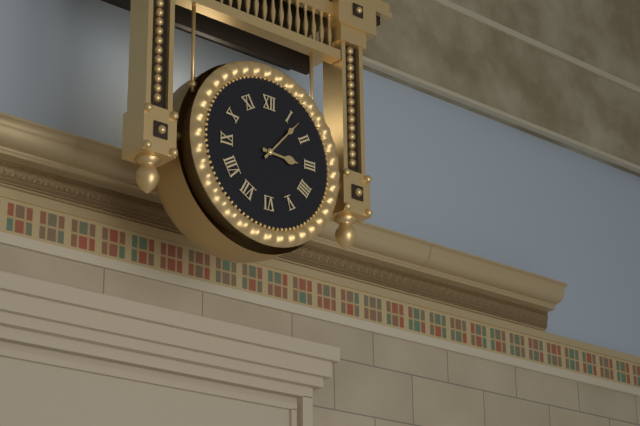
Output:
3,07
